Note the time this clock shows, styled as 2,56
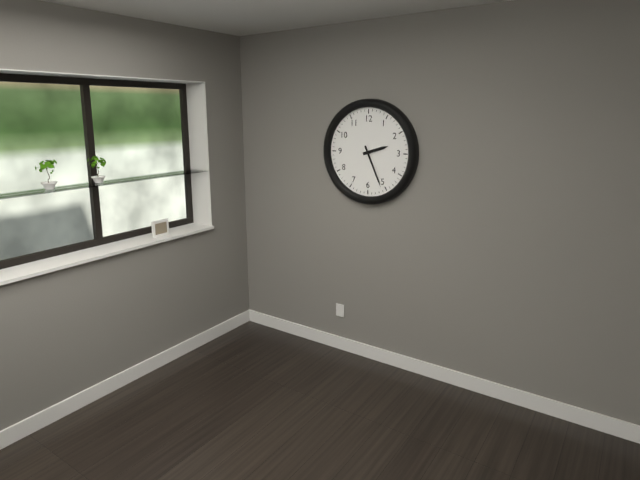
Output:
2,26
